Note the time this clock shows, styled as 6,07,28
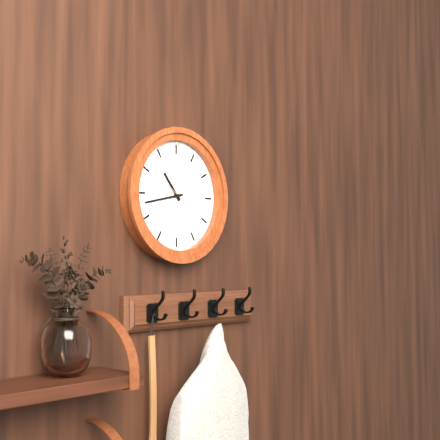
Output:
10,43,51
